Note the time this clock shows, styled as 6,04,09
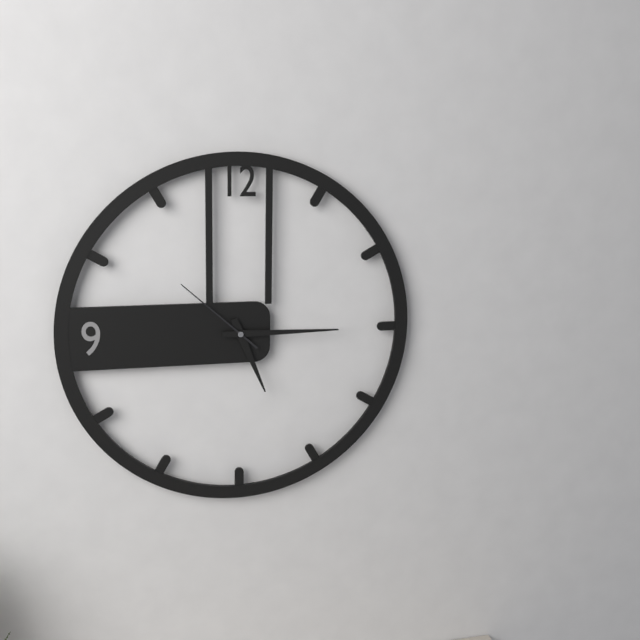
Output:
5,15,52
